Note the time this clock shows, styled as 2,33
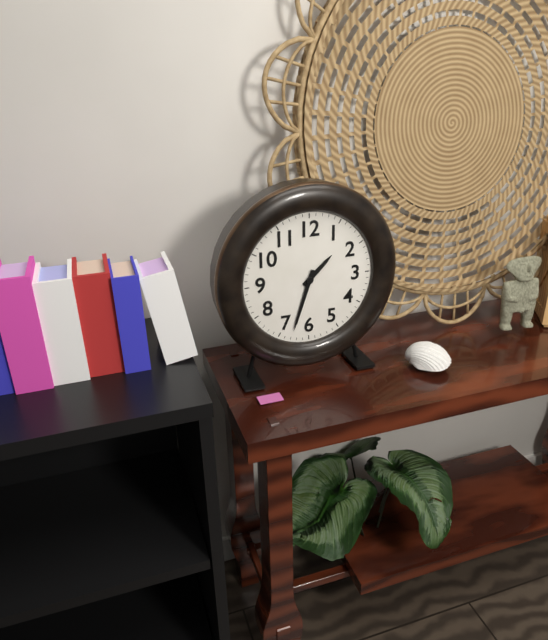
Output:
1,33
